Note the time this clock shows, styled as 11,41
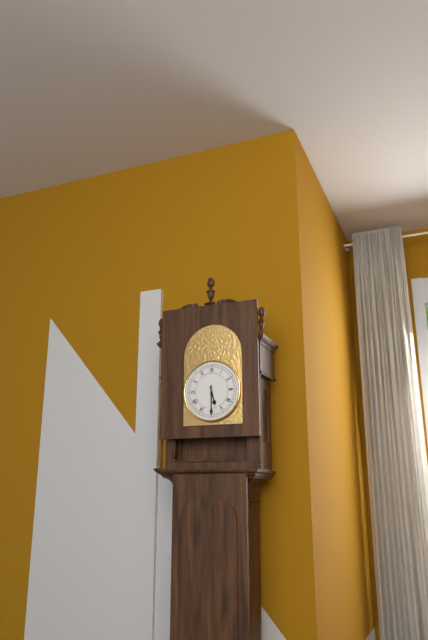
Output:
5,30
